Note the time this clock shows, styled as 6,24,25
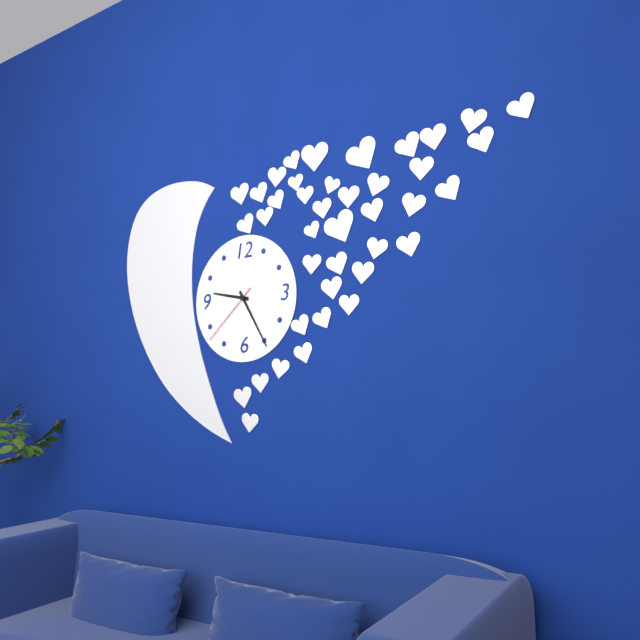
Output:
9,25,38
